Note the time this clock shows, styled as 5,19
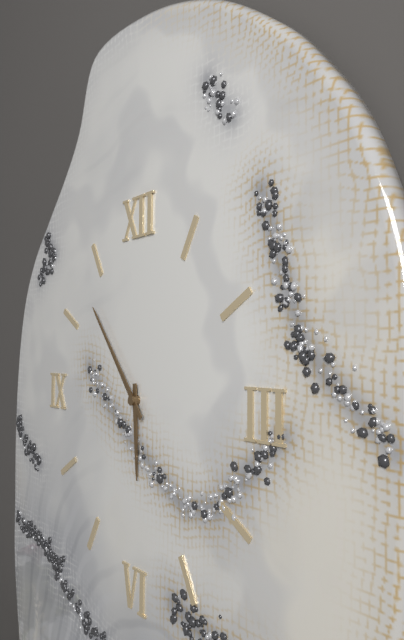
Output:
5,53
